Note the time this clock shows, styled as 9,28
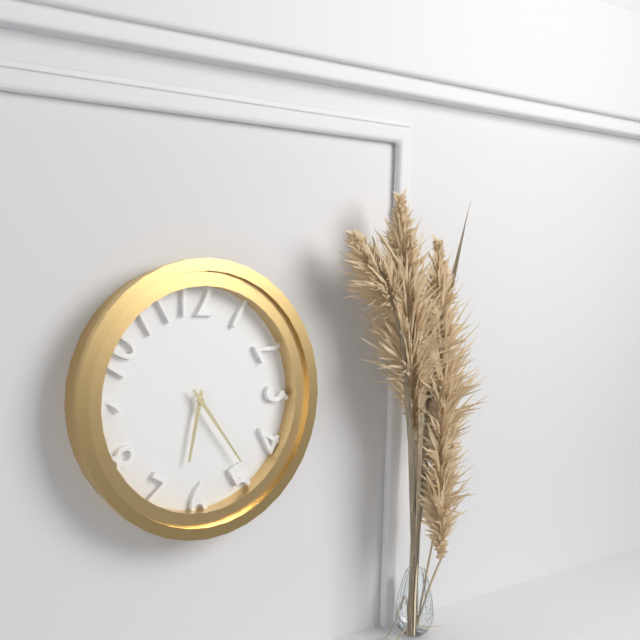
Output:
6,24
